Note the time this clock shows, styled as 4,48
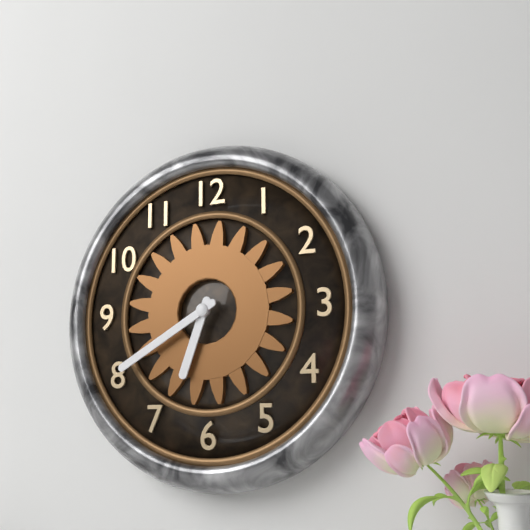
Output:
6,40
